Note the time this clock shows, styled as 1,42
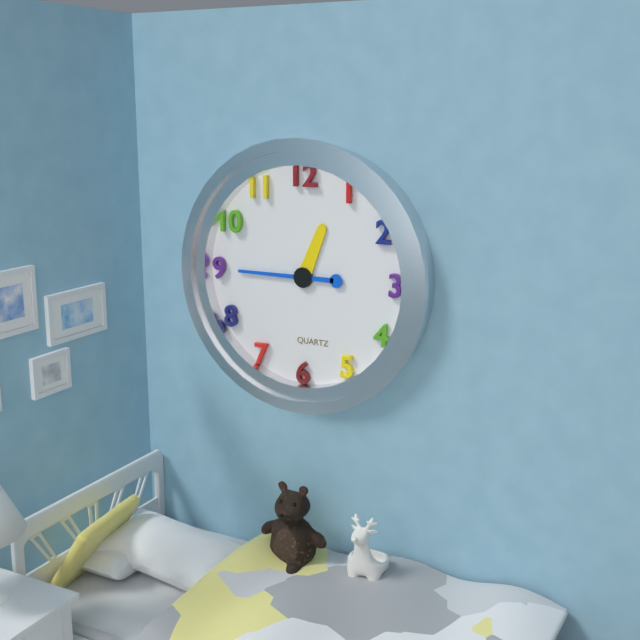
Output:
12,45
